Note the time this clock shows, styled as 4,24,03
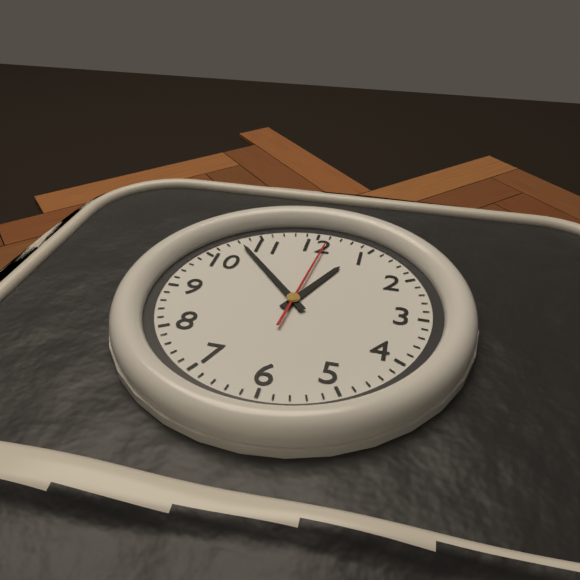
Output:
12,53,01
